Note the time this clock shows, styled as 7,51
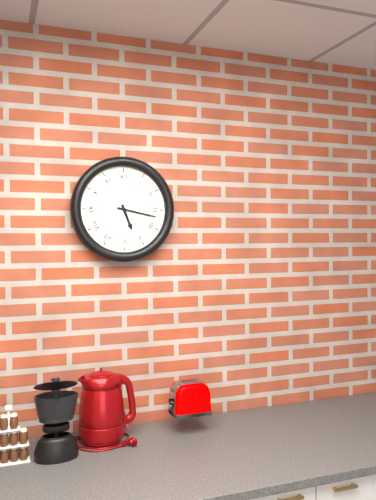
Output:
5,17
